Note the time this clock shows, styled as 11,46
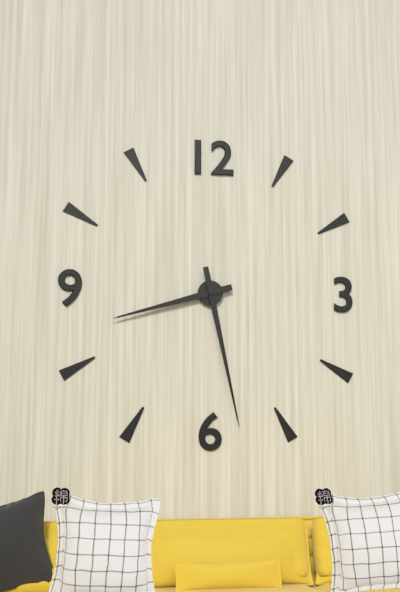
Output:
8,28
